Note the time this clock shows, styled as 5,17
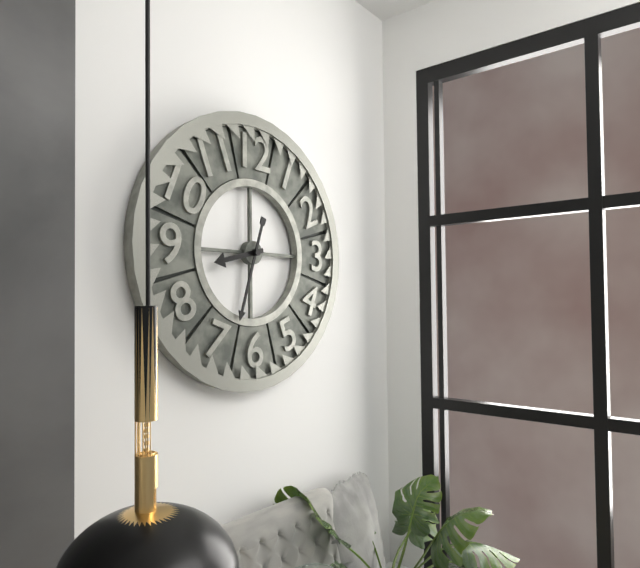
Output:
8,33
